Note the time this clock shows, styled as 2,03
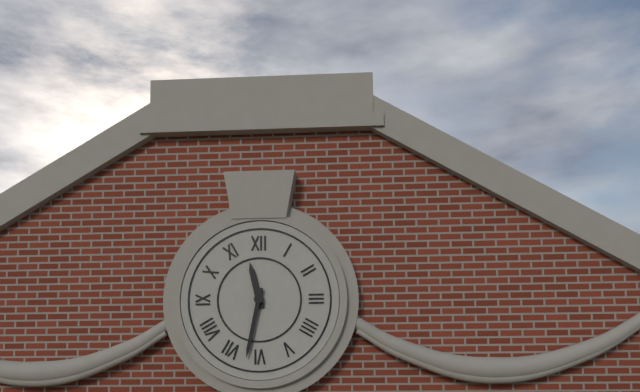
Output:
11,32
